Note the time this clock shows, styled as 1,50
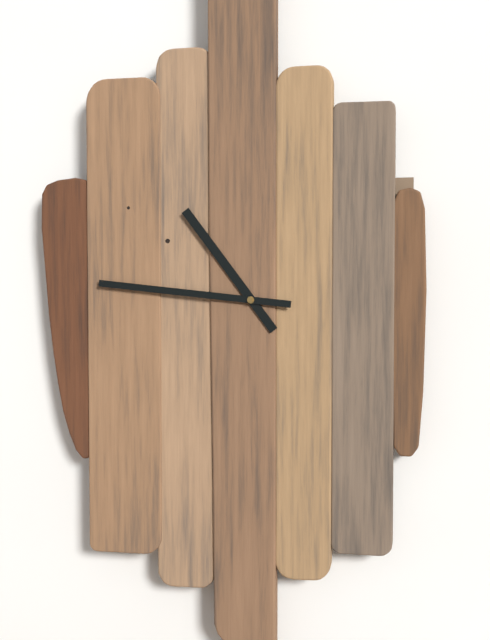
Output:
10,46
